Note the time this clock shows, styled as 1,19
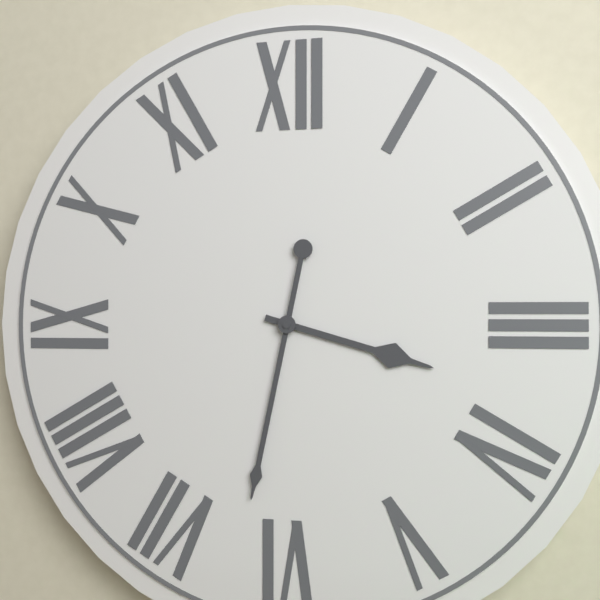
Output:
3,32
